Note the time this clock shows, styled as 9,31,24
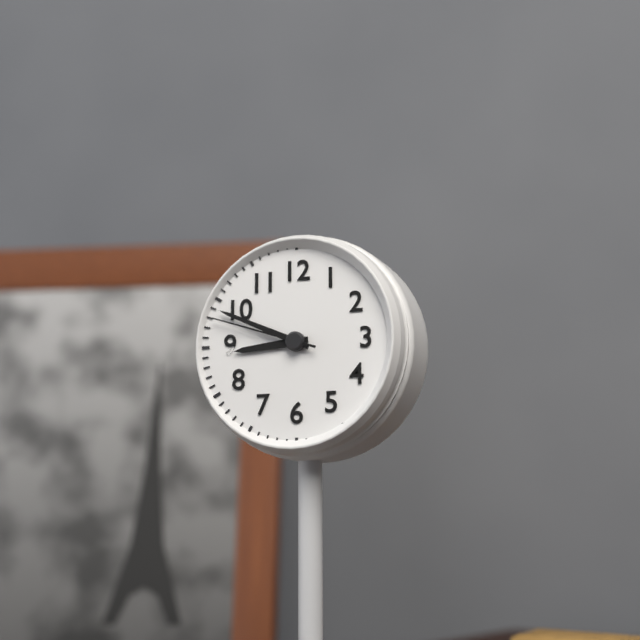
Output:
8,49,48
